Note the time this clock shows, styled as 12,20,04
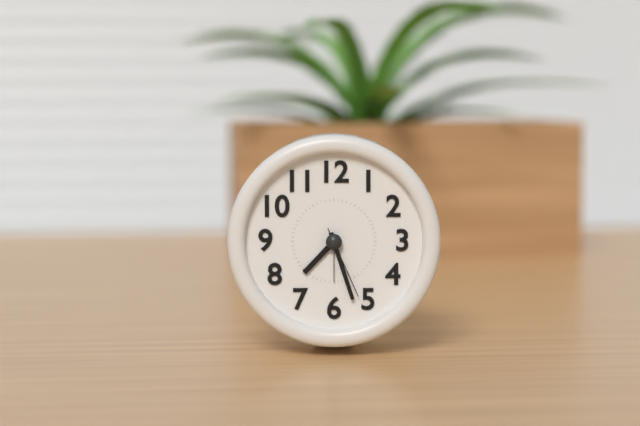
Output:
7,27,26
